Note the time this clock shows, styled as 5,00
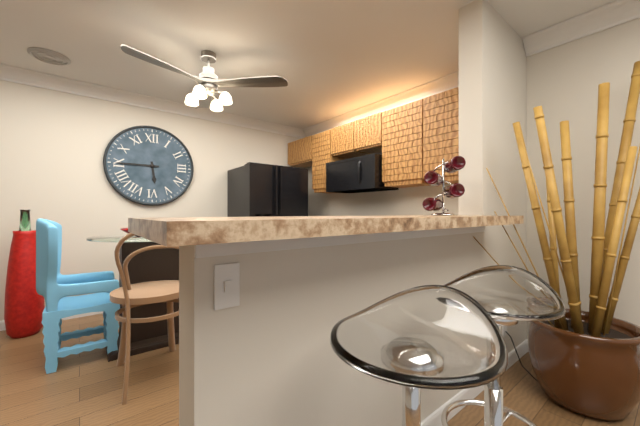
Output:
5,45
